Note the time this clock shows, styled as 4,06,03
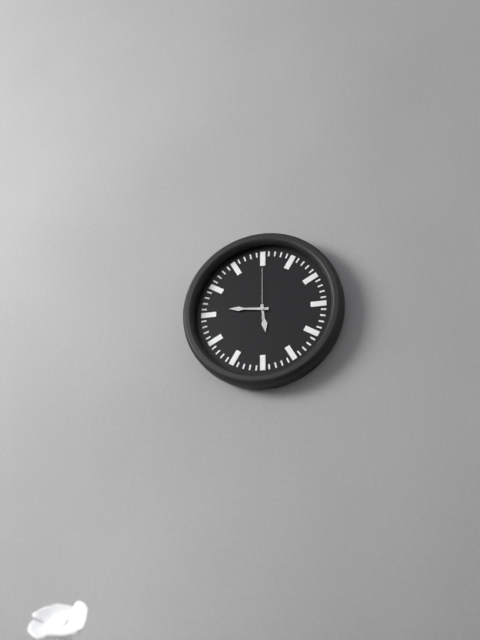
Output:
5,46,00
